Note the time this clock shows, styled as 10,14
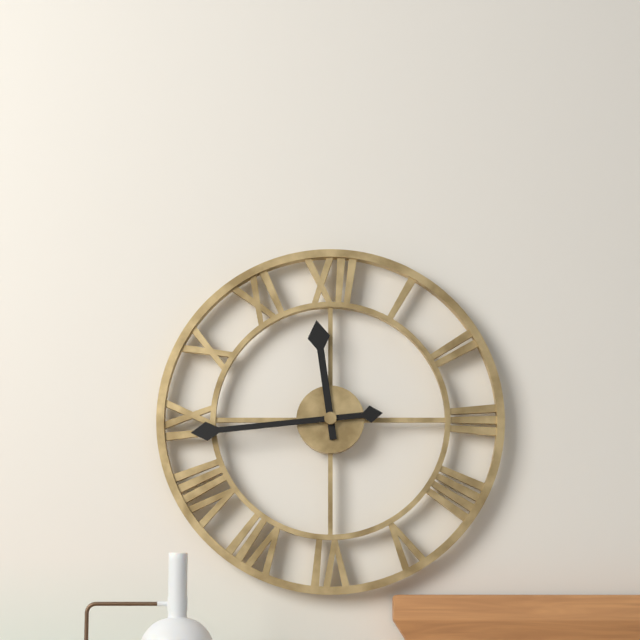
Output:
11,44
